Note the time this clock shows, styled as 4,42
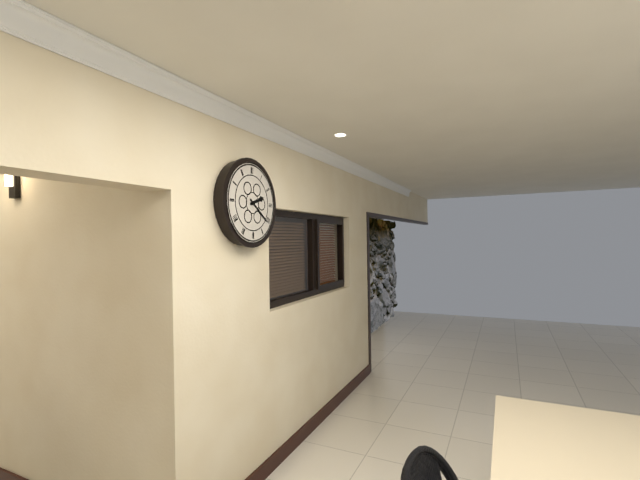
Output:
2,21
